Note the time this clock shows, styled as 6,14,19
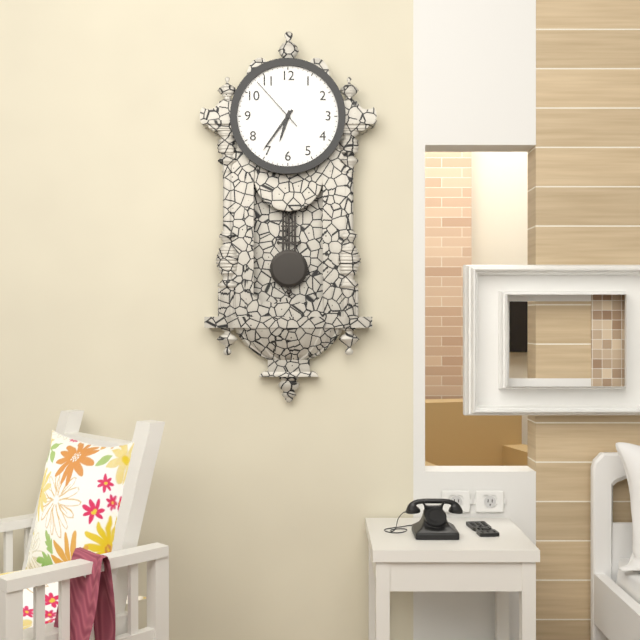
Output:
6,36,53
